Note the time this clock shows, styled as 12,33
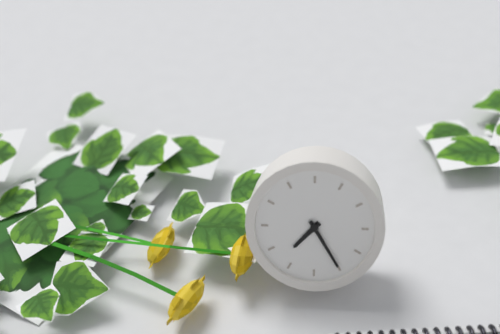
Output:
7,25
